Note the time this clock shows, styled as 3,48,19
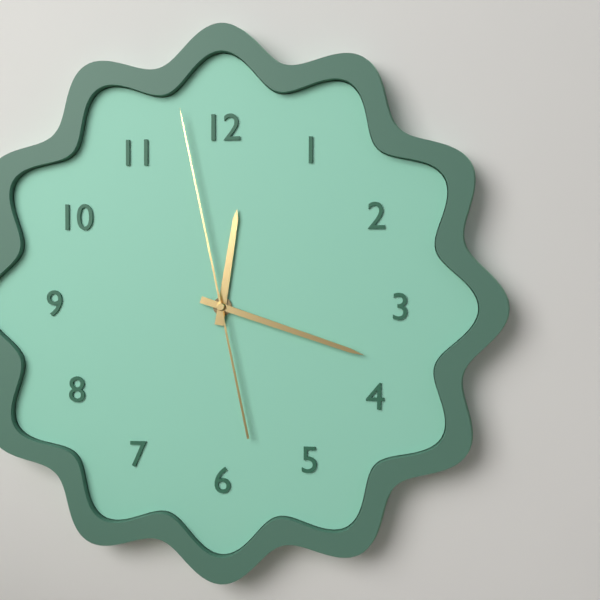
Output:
12,18,58
